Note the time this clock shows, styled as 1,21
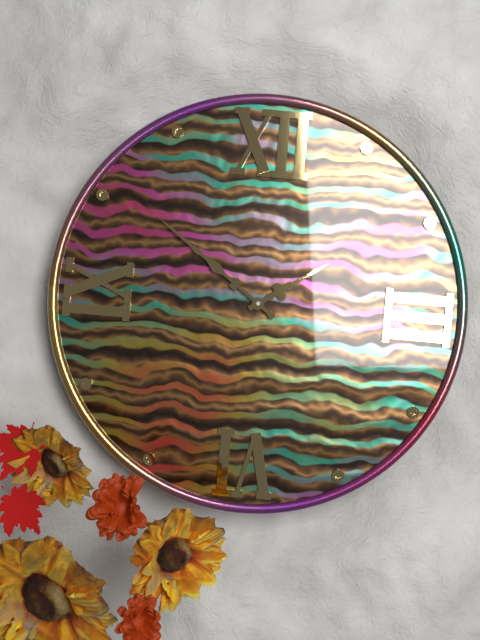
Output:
1,51
